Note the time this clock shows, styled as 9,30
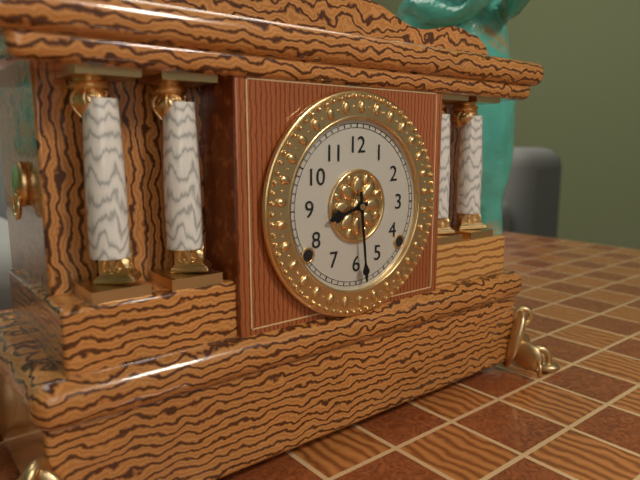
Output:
8,29
